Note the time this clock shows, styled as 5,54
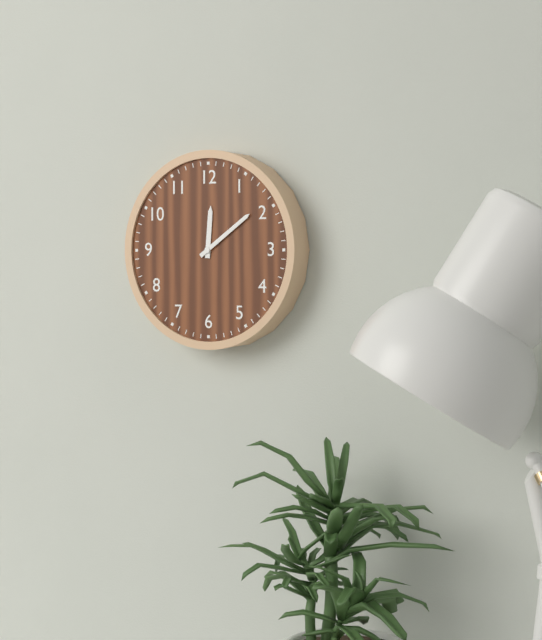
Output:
12,09
